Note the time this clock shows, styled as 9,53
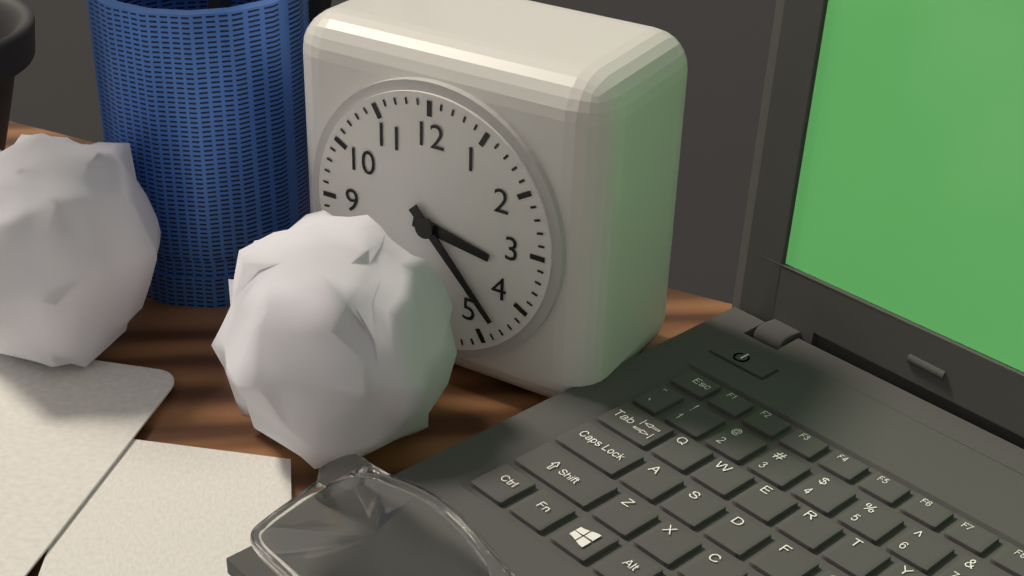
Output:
3,23
